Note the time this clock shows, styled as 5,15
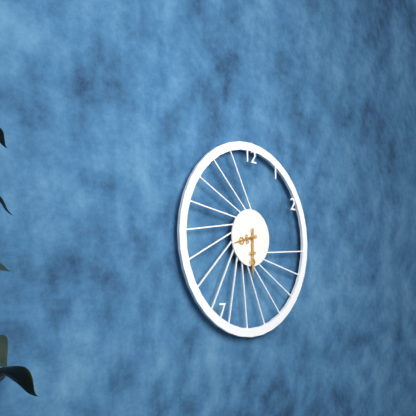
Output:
8,30
